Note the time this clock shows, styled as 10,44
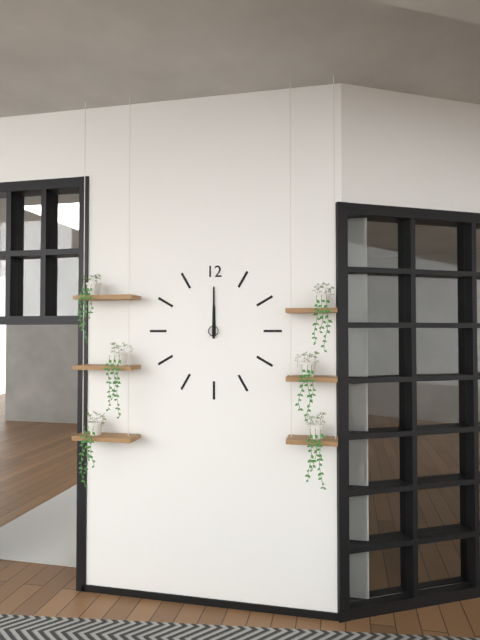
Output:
12,00
